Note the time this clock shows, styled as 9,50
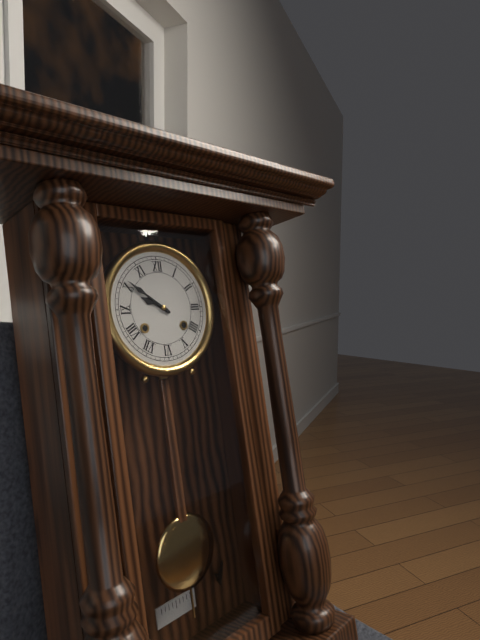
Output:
9,51
